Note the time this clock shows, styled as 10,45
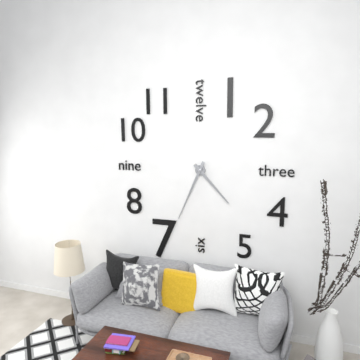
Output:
4,34
